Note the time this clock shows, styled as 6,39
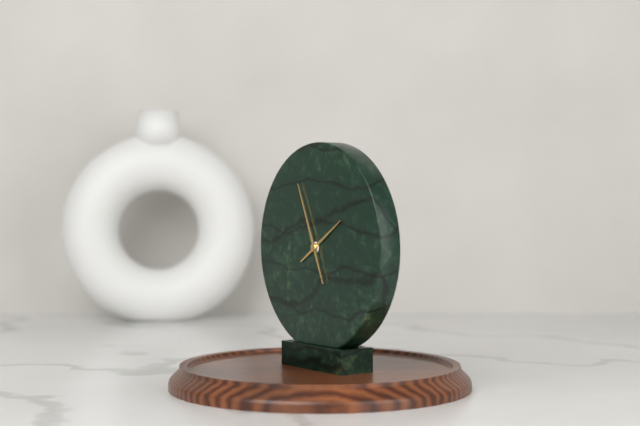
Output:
1,56
